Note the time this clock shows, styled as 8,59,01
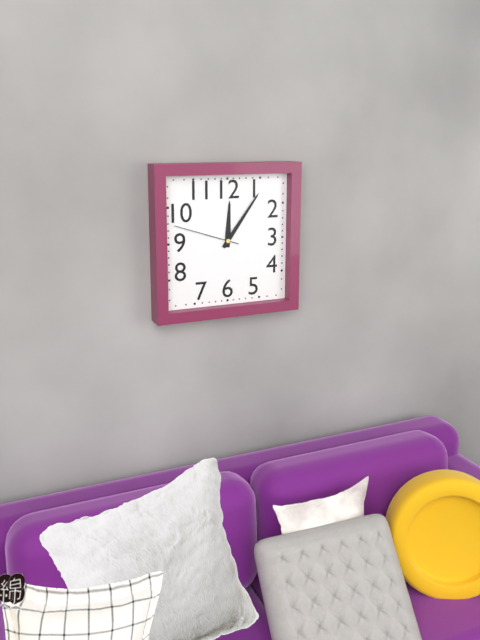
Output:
12,06,48
